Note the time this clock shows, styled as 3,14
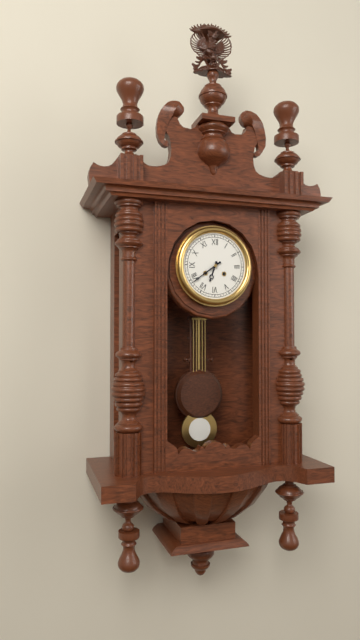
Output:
6,39
